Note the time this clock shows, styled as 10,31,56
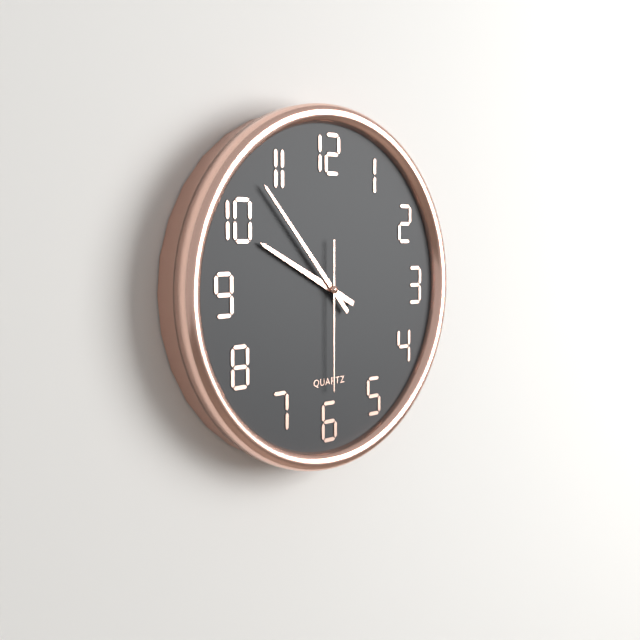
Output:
9,53,30
